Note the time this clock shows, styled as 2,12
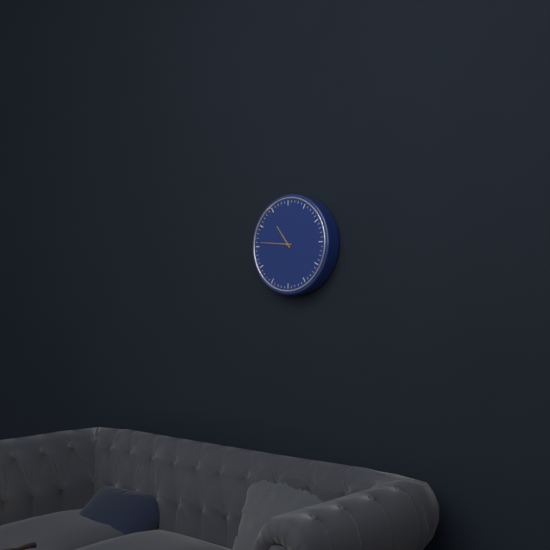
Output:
10,46
